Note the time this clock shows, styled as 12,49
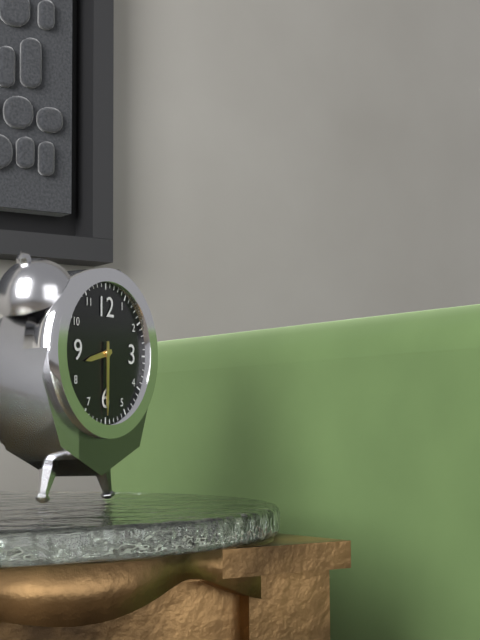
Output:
8,30
